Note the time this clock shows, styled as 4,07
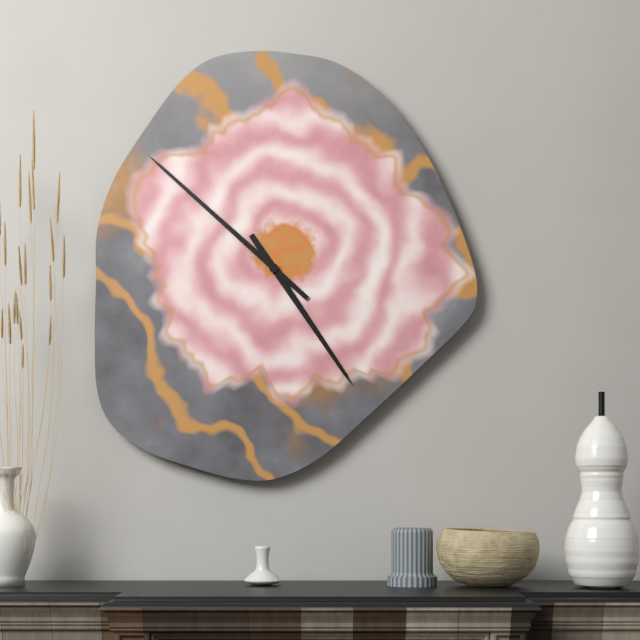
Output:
4,52
